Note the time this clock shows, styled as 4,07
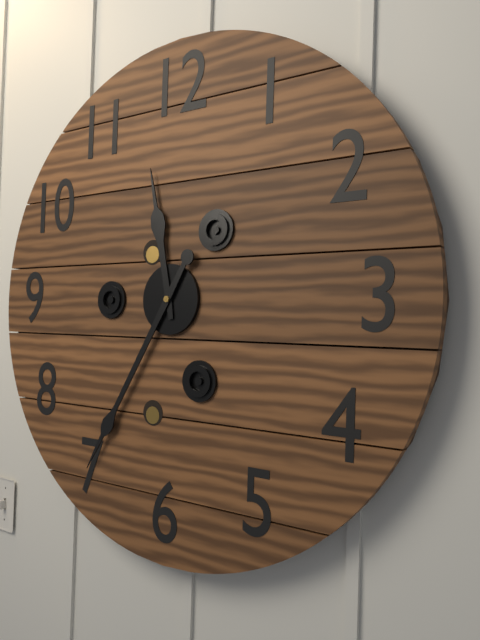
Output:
11,35
